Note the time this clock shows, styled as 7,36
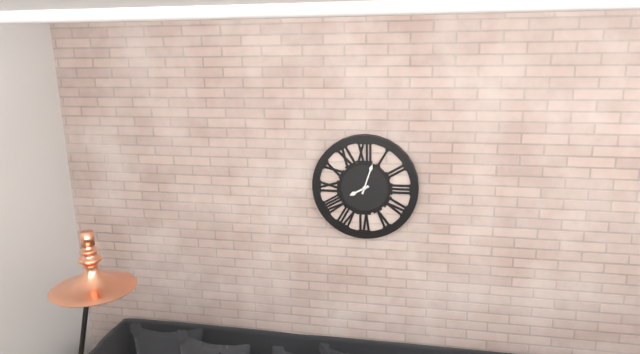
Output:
8,03
